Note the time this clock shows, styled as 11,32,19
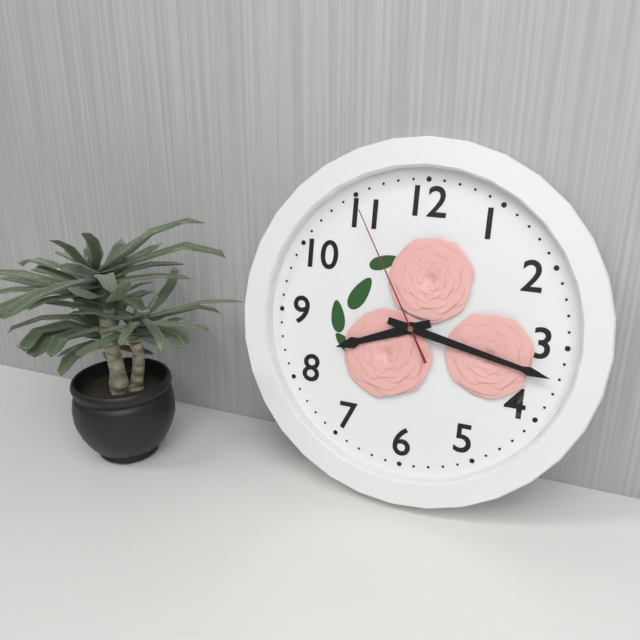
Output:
8,17,55
